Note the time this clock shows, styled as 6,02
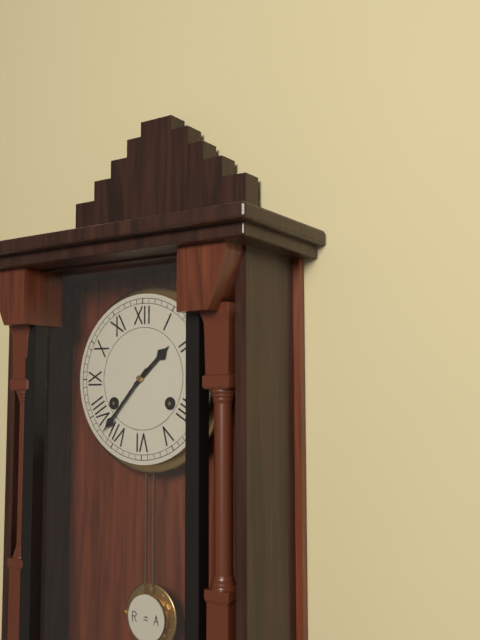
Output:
1,37
